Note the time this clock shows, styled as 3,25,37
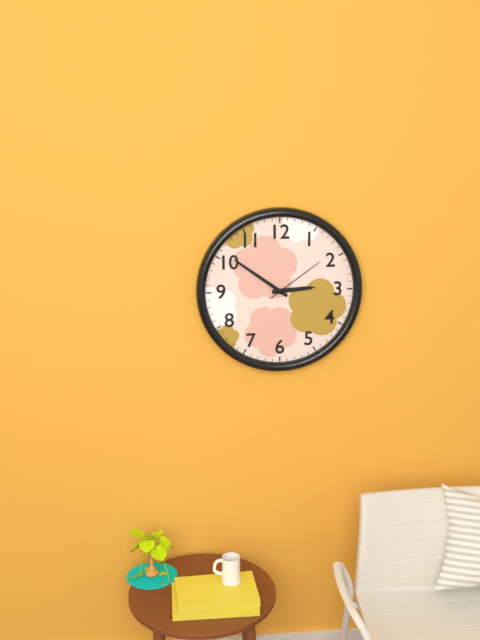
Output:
2,51,09
